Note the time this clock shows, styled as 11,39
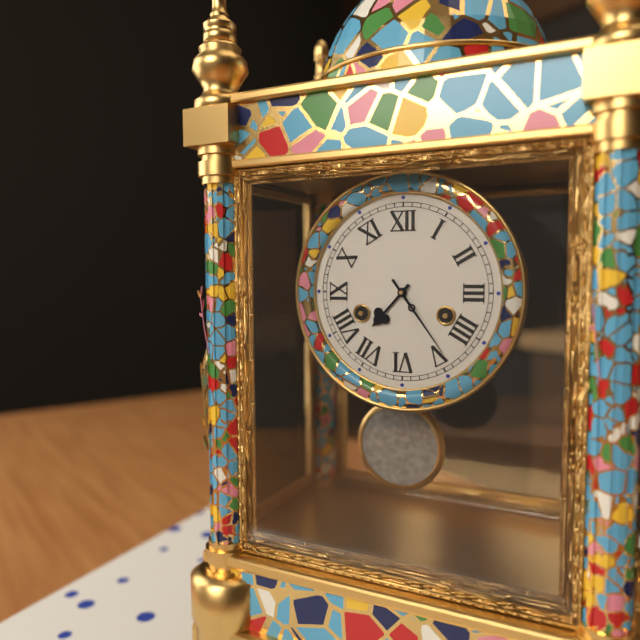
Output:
7,24
